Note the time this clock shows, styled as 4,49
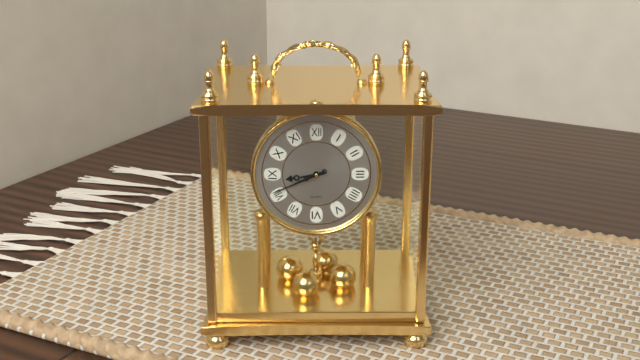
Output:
8,41
